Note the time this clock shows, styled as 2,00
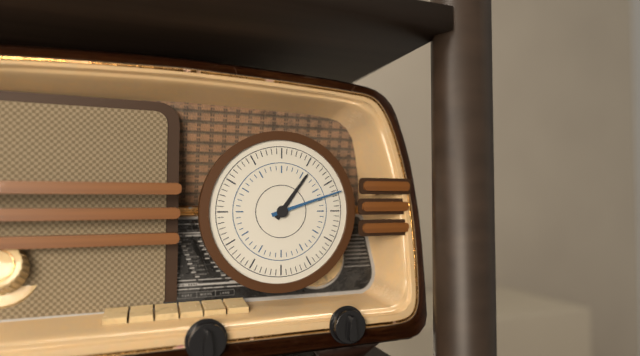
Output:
1,12
